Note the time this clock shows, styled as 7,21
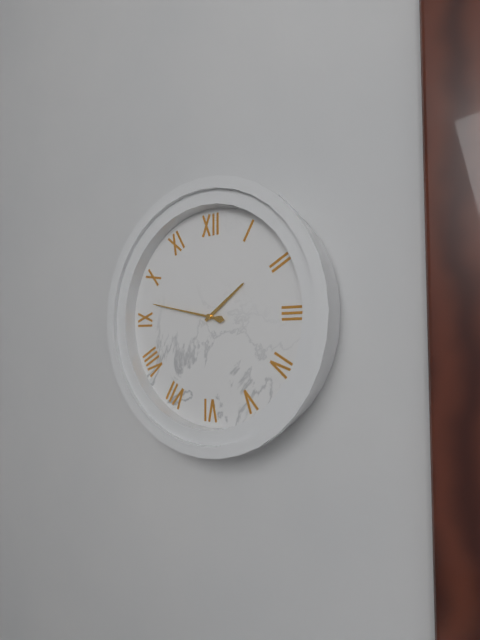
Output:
1,47
